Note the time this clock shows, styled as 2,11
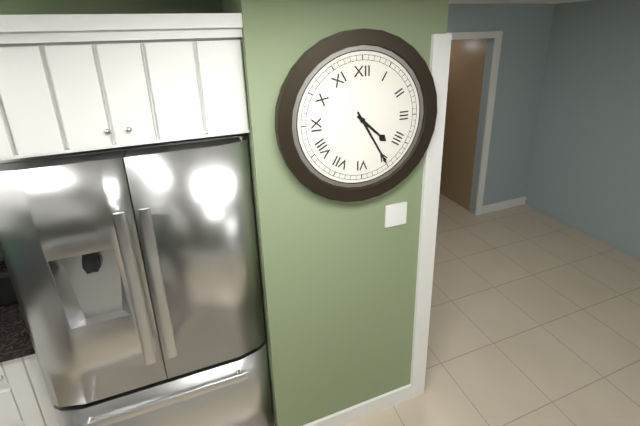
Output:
4,25
